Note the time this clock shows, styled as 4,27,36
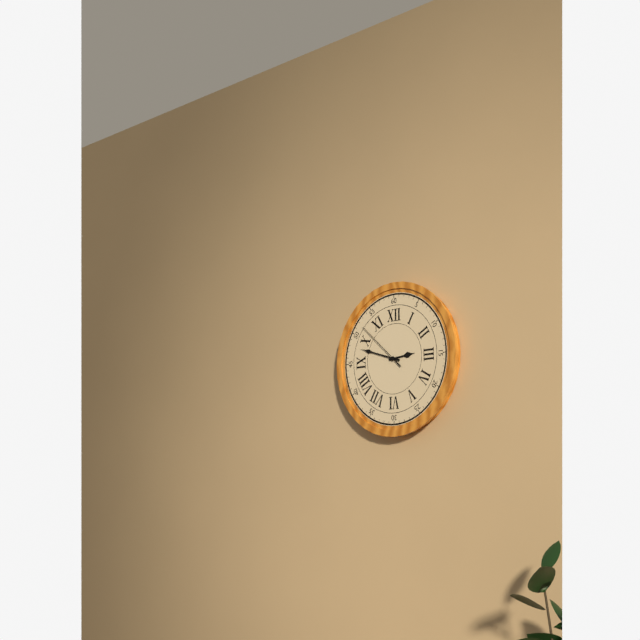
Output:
2,48,52
